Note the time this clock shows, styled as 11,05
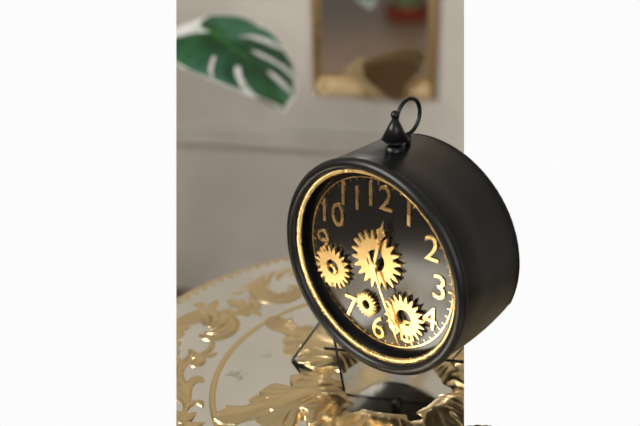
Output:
12,26
